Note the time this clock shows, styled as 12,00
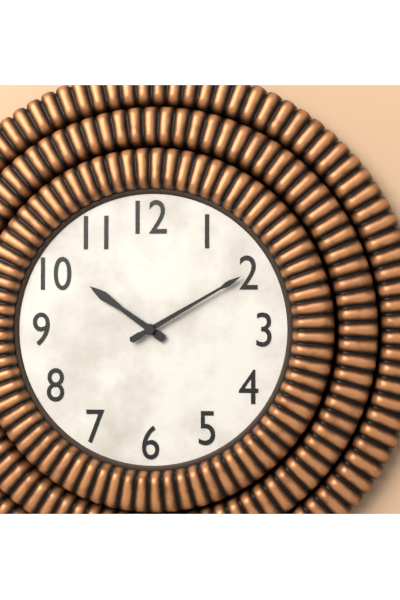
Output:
10,10
